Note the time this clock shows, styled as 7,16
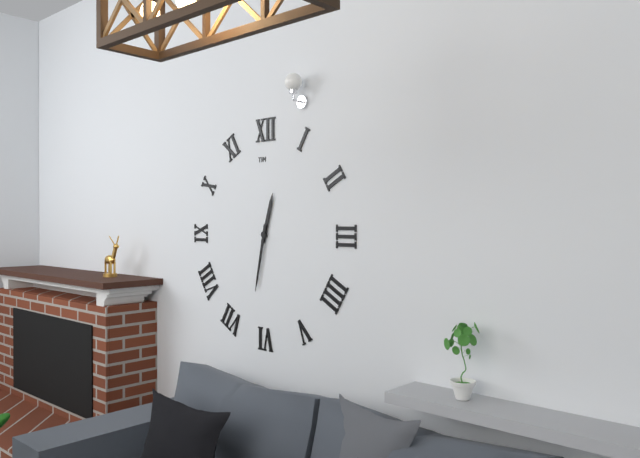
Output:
12,32
